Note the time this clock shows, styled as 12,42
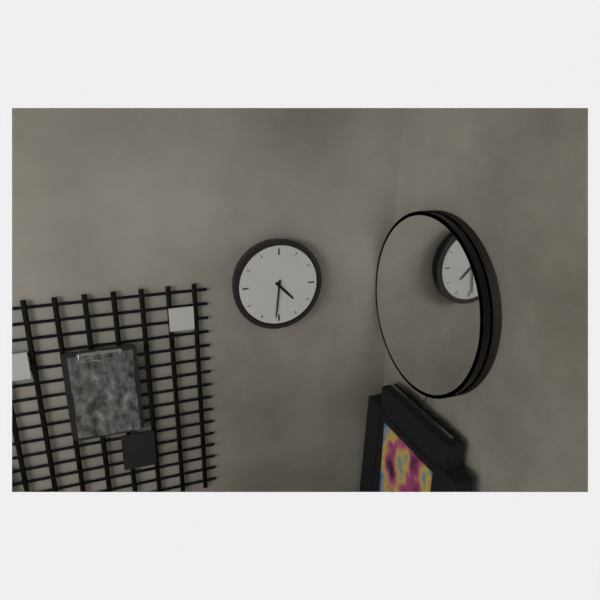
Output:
4,31
